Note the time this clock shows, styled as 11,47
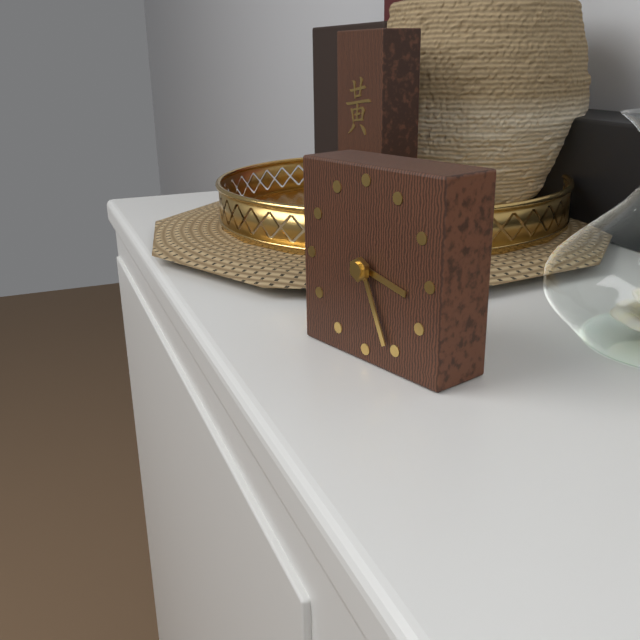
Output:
3,26
